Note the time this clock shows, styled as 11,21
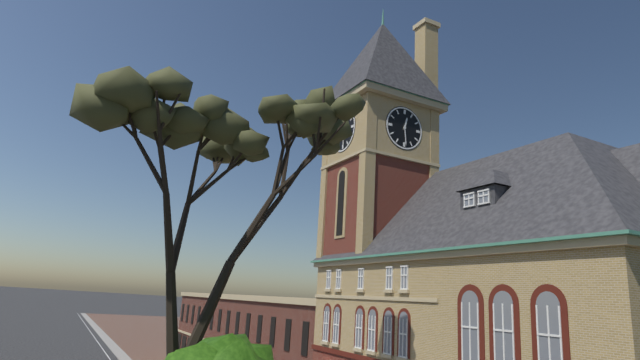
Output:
12,29
